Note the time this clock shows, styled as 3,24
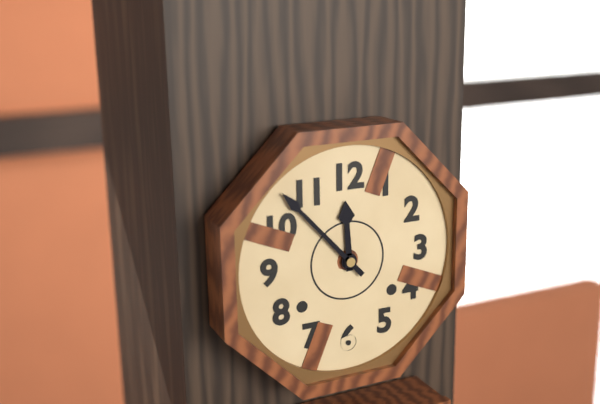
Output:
11,53
